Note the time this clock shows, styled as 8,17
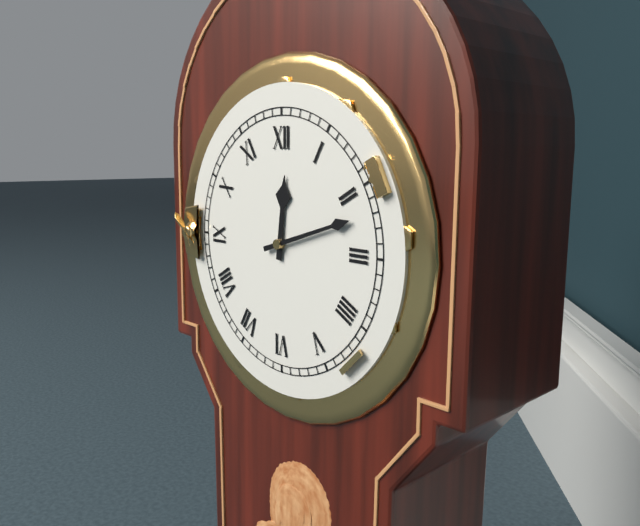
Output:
12,12
